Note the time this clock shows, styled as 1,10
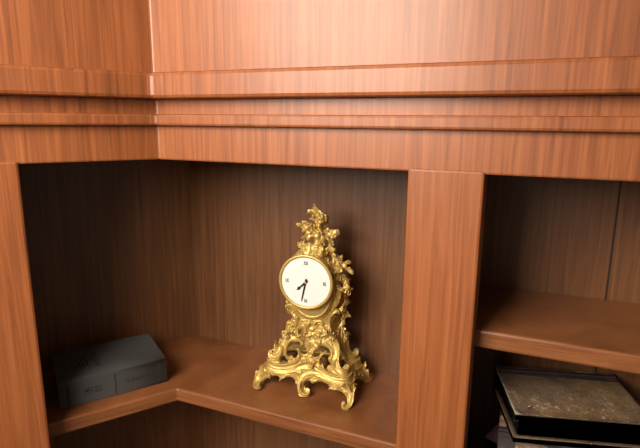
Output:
7,32
